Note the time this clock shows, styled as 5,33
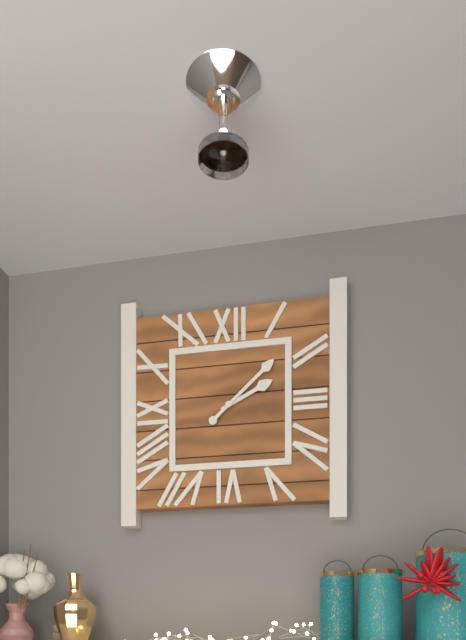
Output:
2,08
